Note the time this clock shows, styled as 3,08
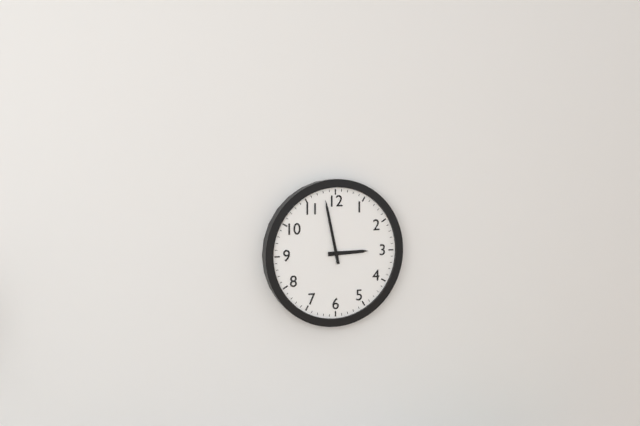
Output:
2,58
